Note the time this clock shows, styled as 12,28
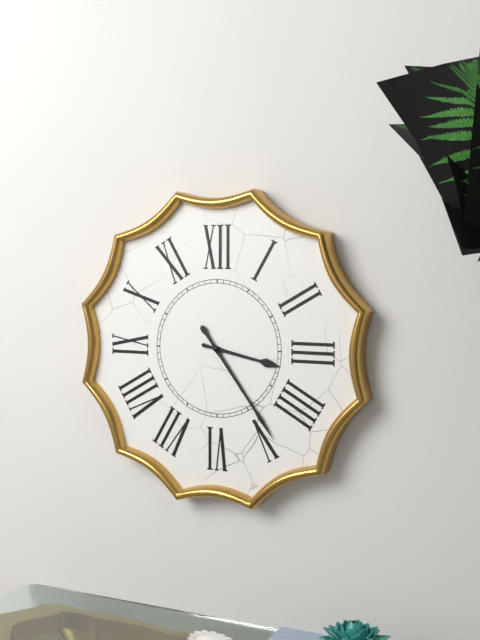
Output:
3,24
